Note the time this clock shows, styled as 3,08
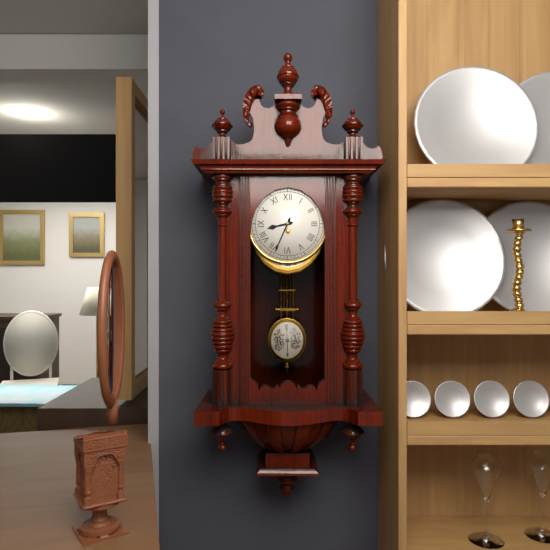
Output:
8,34
